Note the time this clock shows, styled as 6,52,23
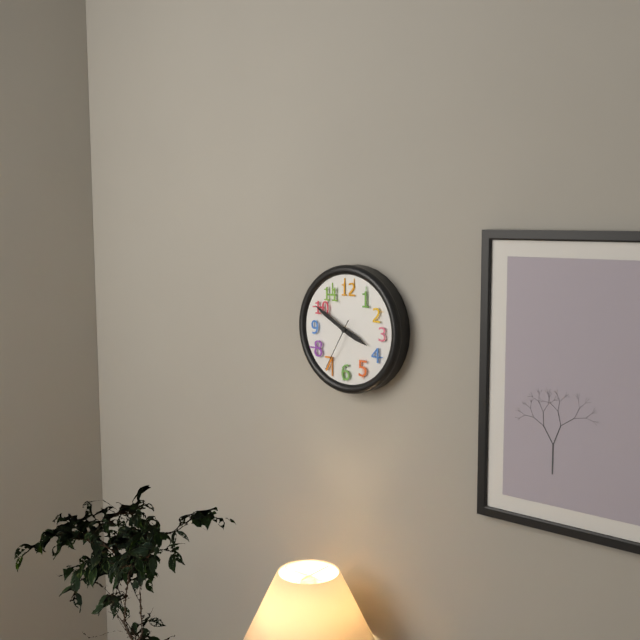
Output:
3,50,35
